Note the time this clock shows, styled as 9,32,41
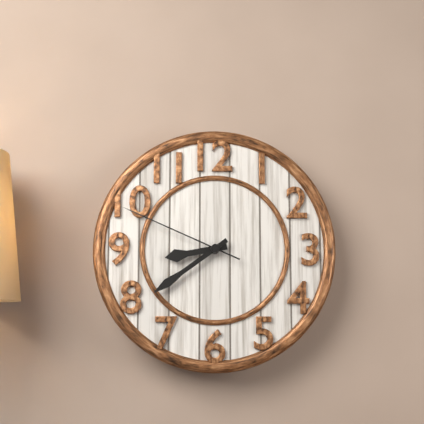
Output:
8,39,49
